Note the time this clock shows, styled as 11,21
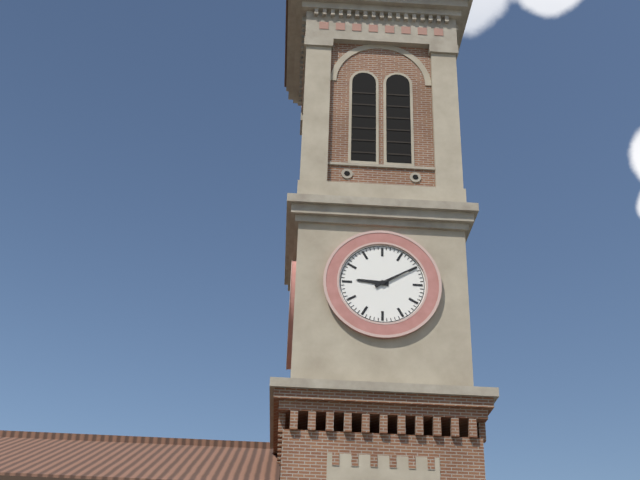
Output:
9,10
